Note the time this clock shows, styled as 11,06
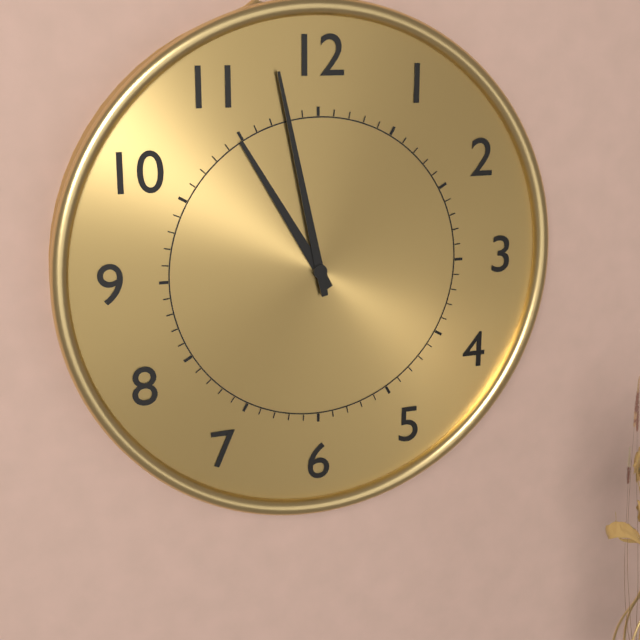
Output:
10,58
